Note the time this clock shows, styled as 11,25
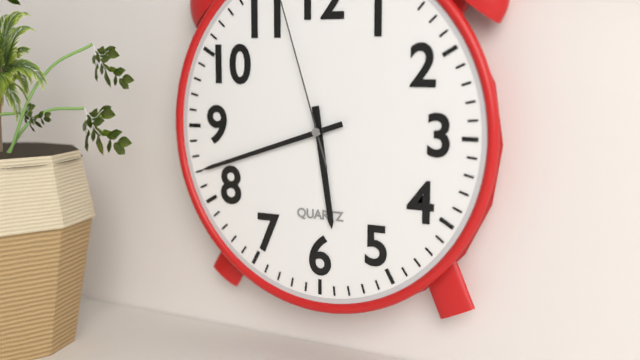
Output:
5,42
